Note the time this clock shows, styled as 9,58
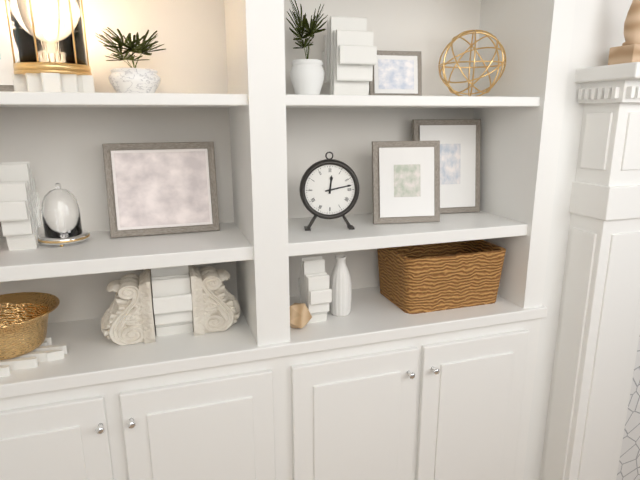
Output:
12,13
